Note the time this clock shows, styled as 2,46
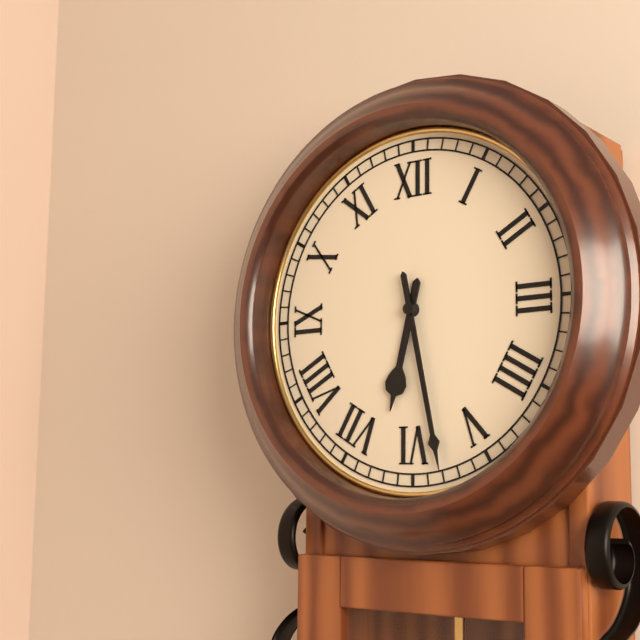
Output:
6,28
